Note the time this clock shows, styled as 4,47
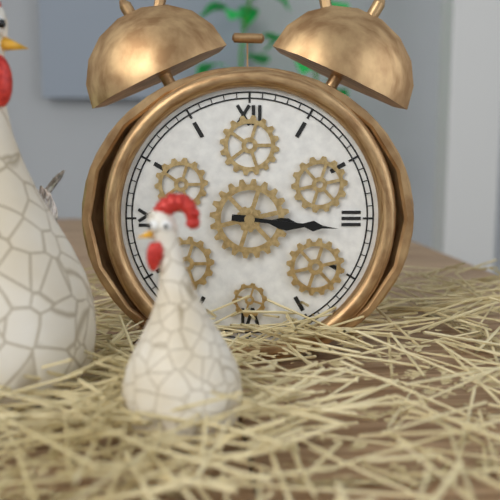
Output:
3,16
